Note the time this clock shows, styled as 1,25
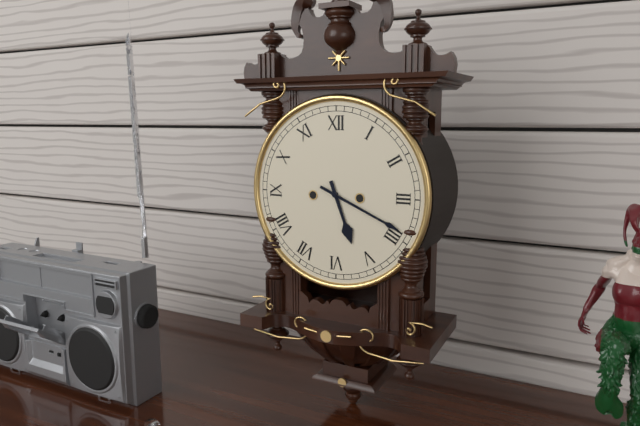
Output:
5,19
